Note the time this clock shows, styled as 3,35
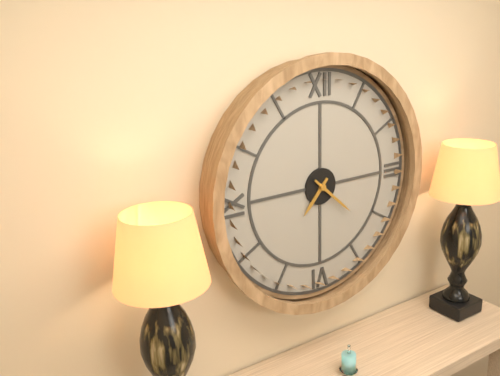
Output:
7,22
